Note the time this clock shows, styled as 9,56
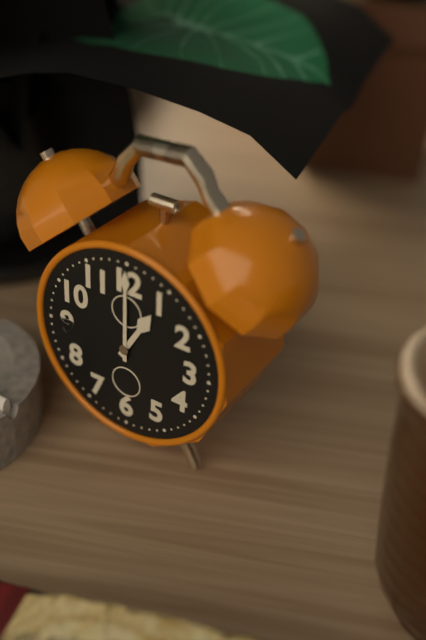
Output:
1,00
